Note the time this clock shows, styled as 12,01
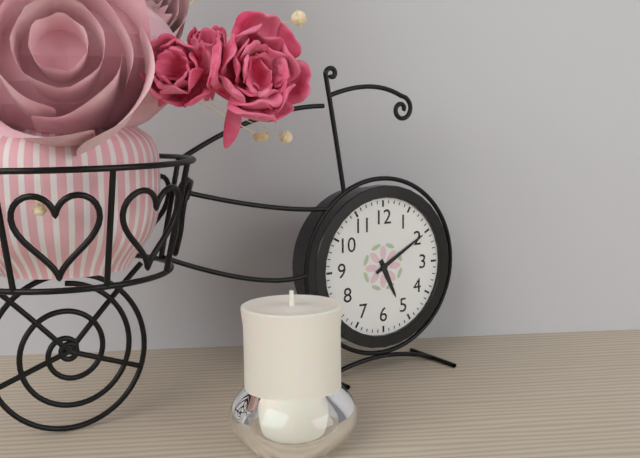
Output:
5,10
